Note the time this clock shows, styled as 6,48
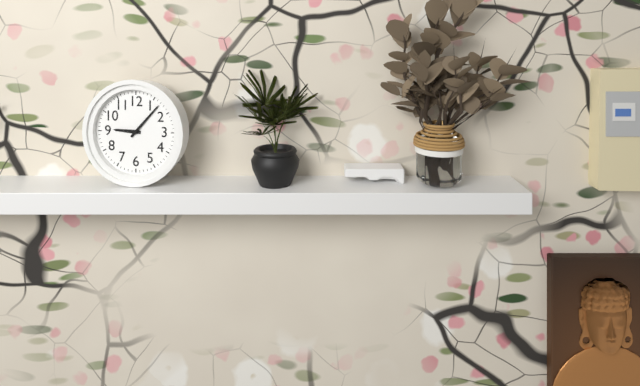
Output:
9,07
